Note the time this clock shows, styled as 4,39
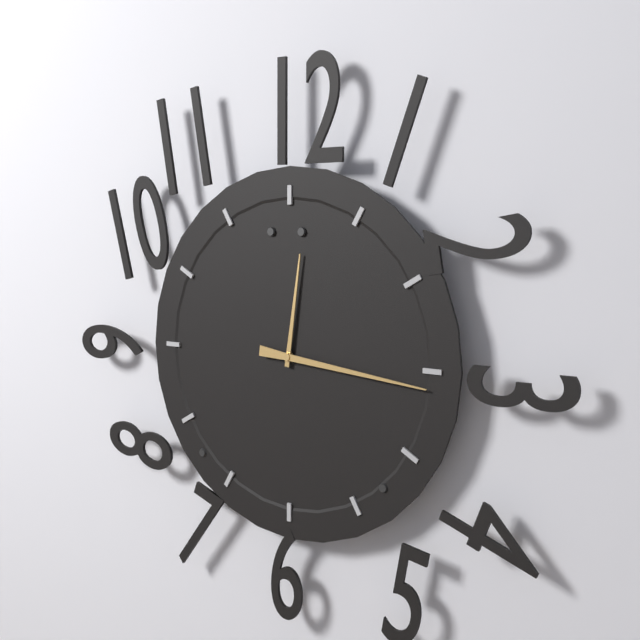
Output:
12,16
